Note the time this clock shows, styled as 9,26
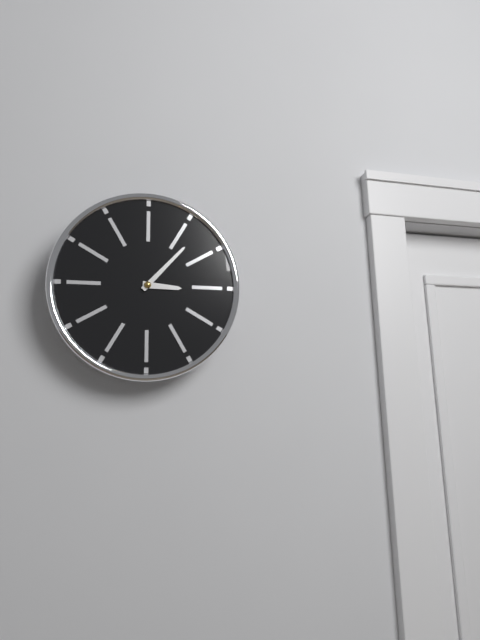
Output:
3,07
